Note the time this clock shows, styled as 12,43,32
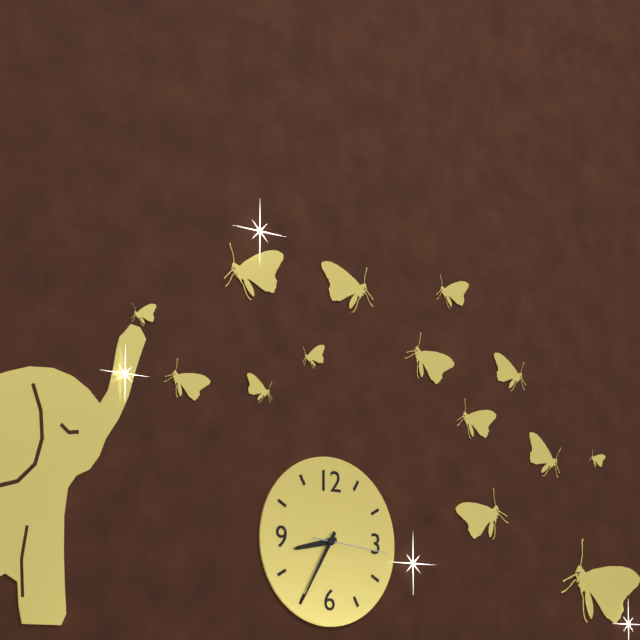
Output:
8,35,16
